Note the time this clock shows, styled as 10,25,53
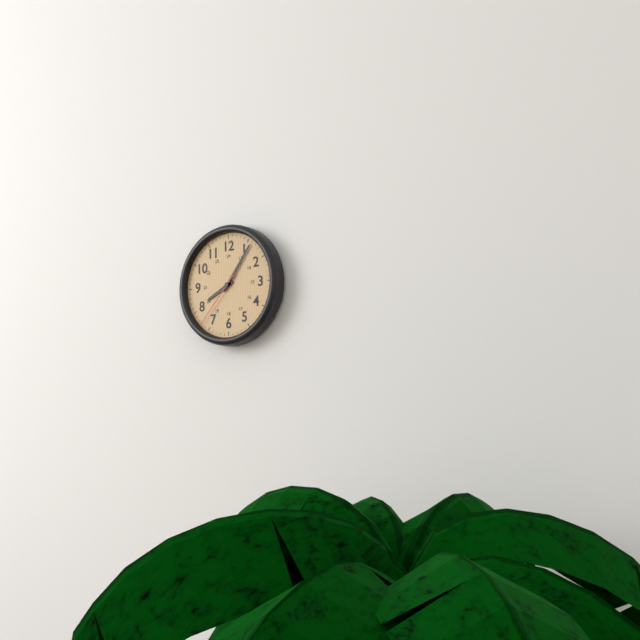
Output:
8,06,37
